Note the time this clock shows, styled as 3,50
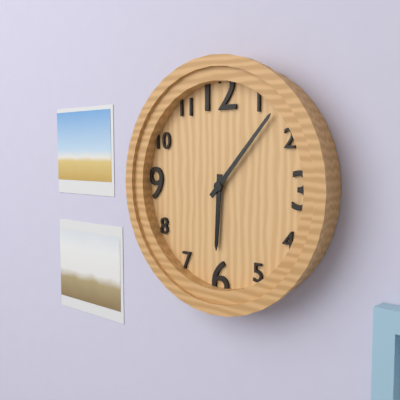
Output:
6,07
